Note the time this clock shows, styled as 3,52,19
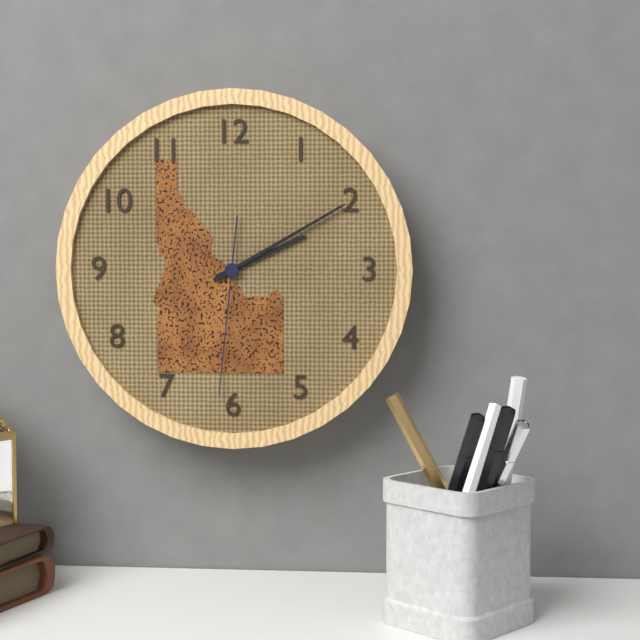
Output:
2,10,31
